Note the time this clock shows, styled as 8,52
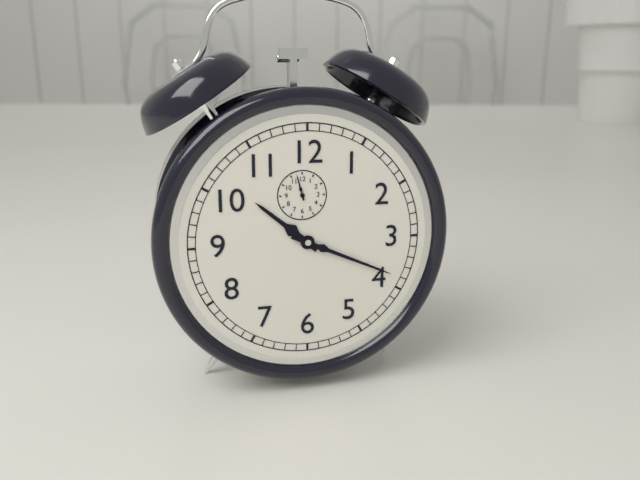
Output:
10,19
